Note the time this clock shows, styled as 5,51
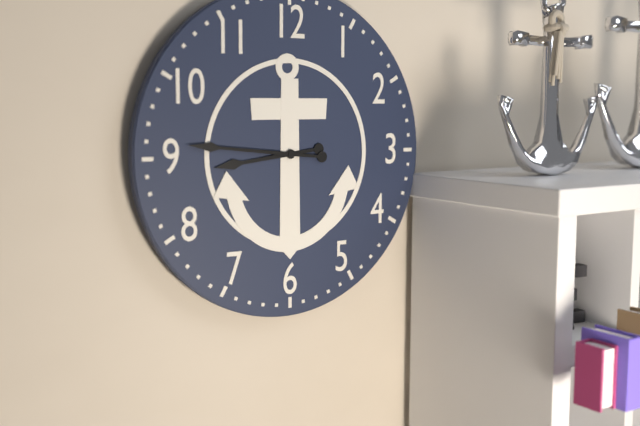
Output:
8,46
